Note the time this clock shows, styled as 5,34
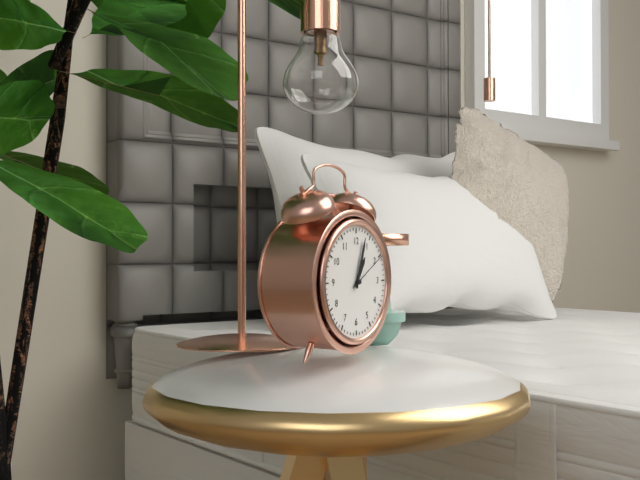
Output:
1,03
